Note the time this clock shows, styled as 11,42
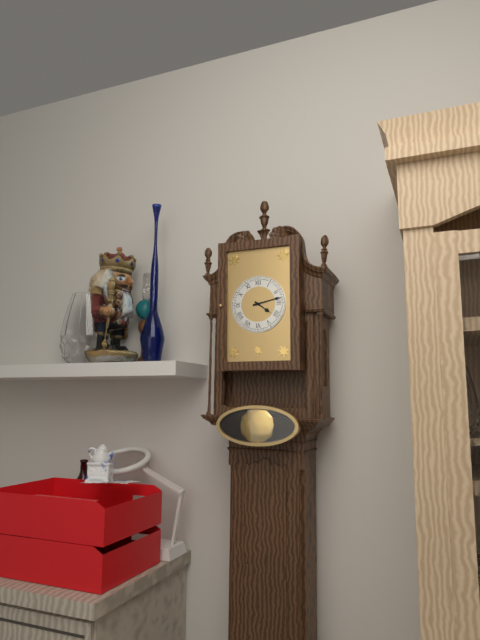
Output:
4,13
